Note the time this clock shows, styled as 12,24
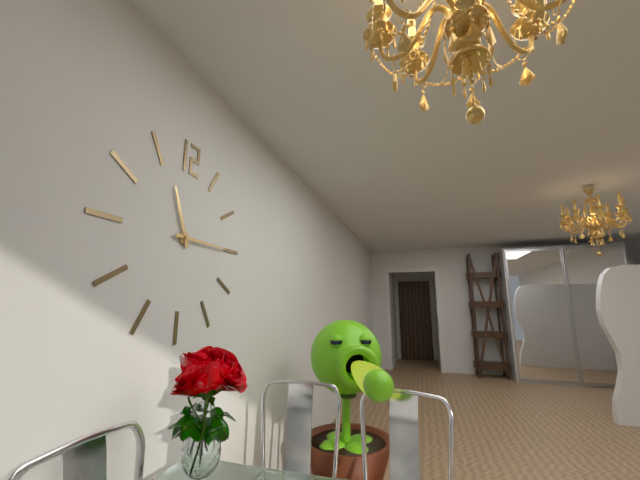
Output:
11,15
